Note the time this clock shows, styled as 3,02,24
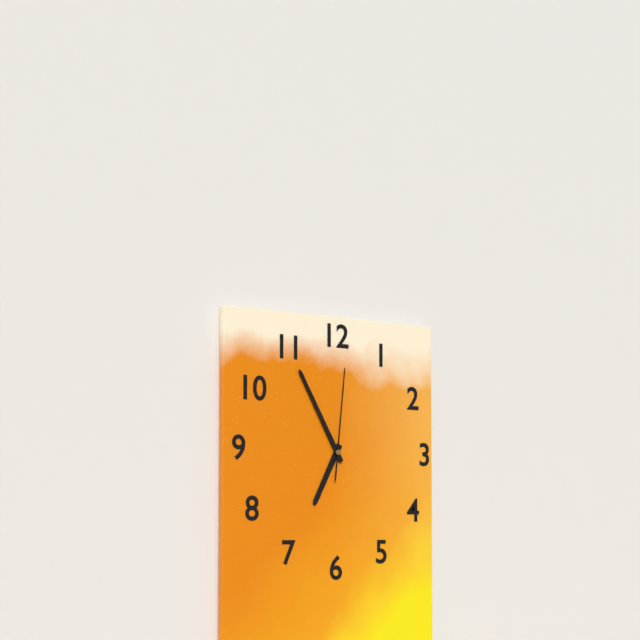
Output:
6,55,01
